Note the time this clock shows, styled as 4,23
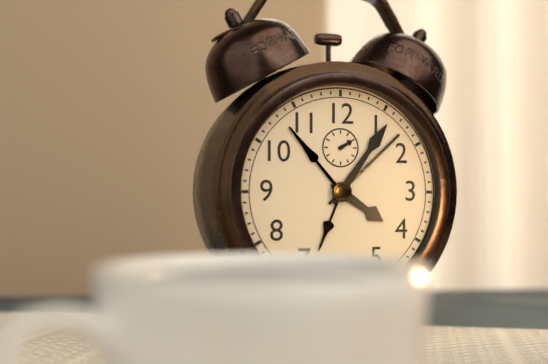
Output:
4,06
